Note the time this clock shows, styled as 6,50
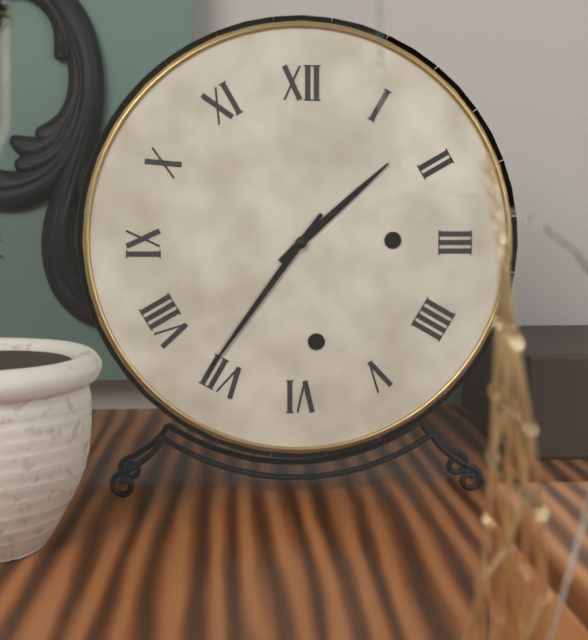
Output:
1,36
